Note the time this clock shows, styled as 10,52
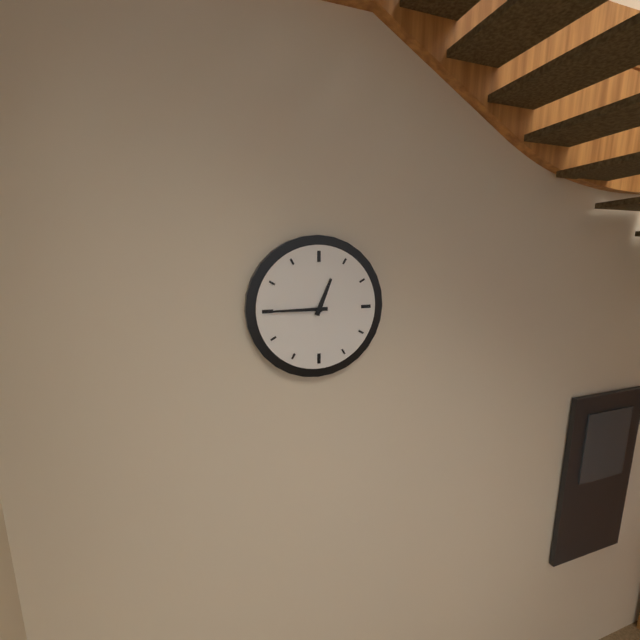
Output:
12,45
